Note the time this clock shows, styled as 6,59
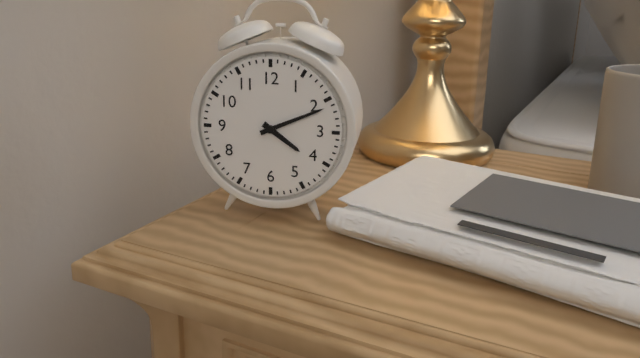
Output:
4,11
